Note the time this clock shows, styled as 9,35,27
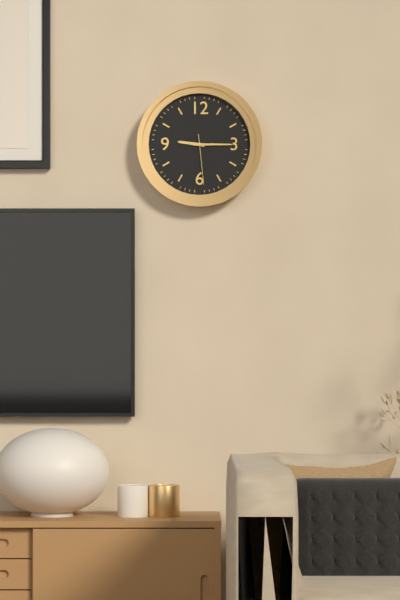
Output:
9,15,29
